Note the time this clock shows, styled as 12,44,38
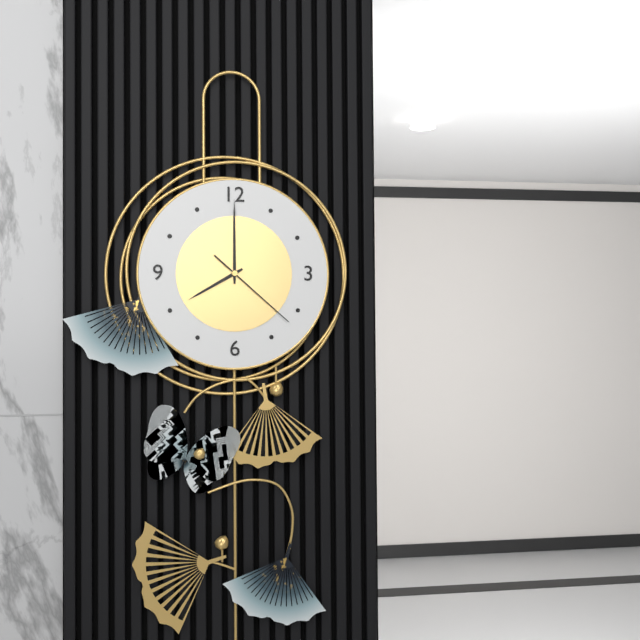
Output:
8,00,22
